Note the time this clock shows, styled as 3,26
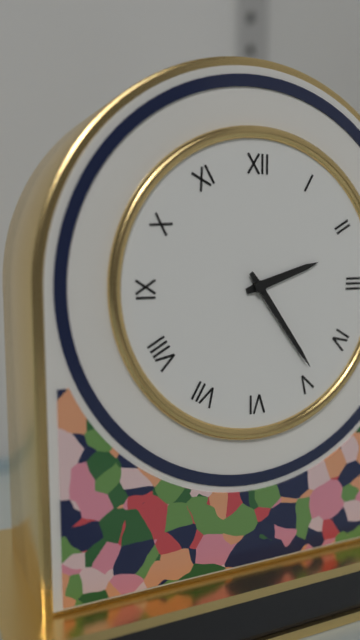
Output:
2,24
